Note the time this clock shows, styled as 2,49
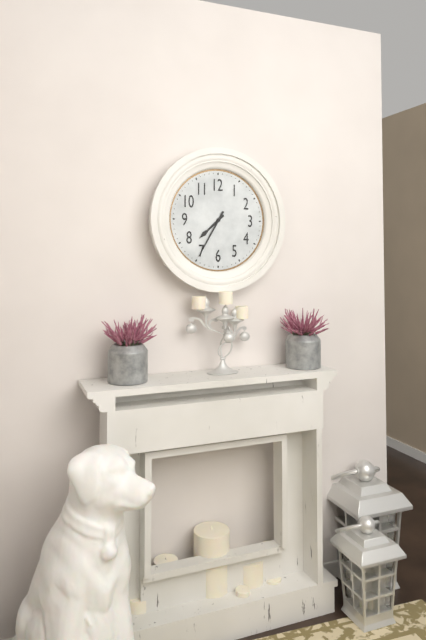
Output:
7,35
